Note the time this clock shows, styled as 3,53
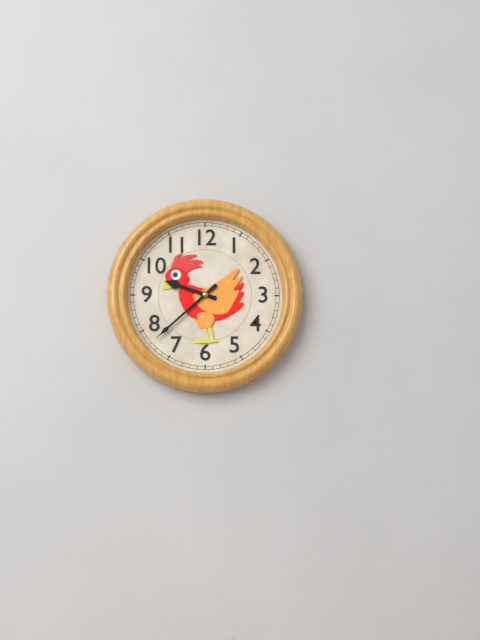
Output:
9,38
